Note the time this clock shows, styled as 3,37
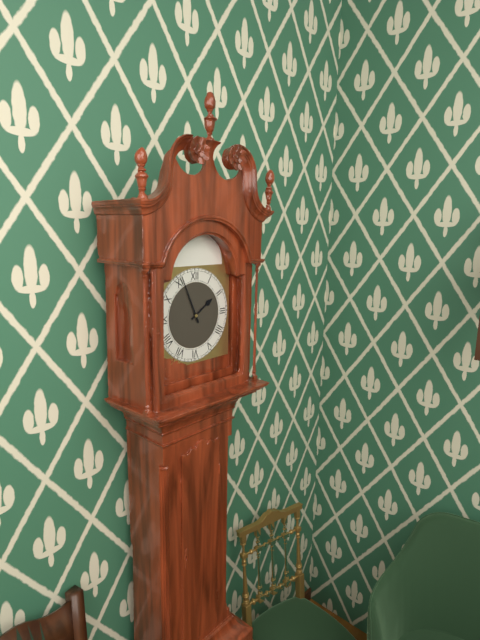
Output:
1,56
